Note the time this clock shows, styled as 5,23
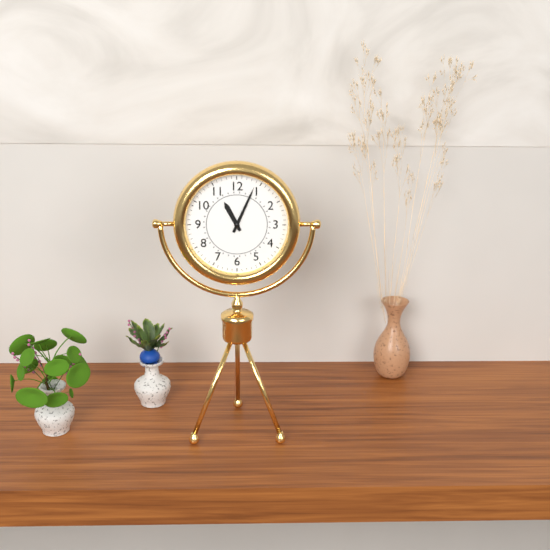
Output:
11,04
